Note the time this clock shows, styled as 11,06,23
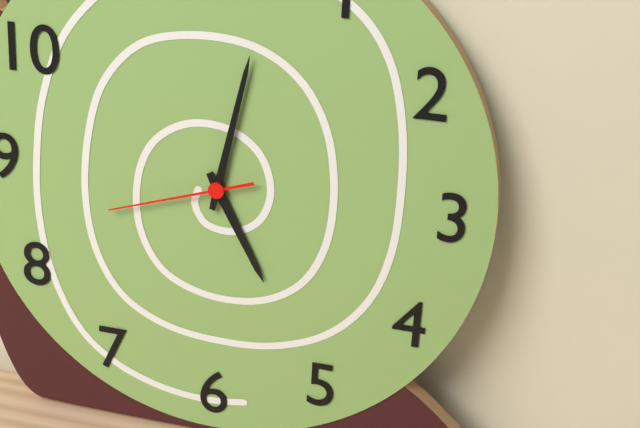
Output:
5,02,42
